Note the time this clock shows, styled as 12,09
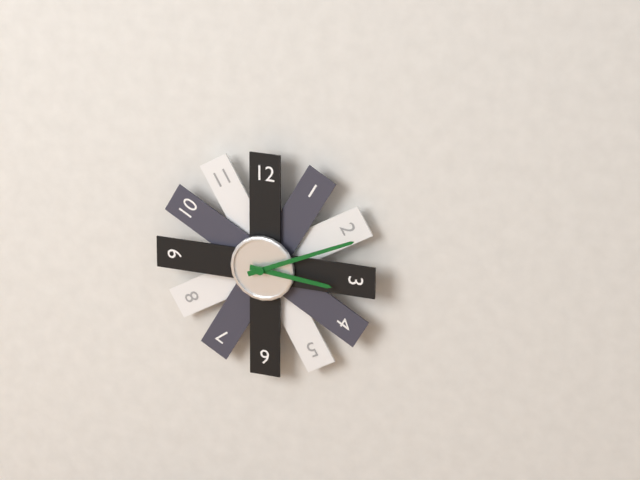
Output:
3,11
